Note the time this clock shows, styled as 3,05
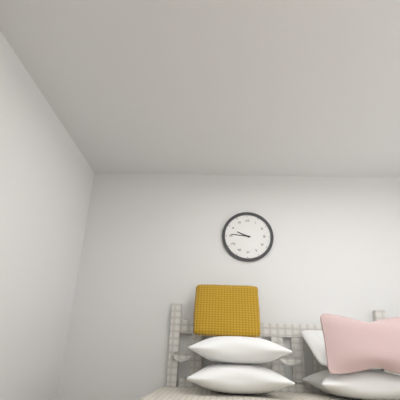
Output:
9,46
